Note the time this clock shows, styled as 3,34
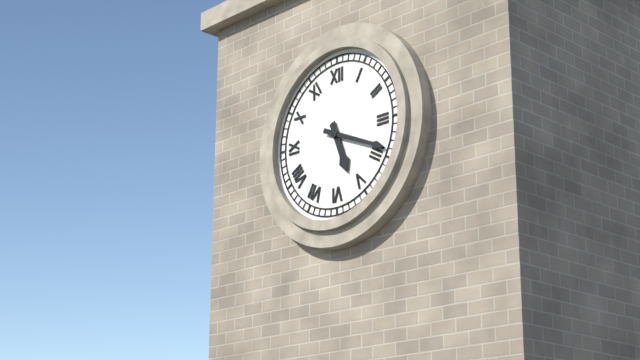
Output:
5,19
